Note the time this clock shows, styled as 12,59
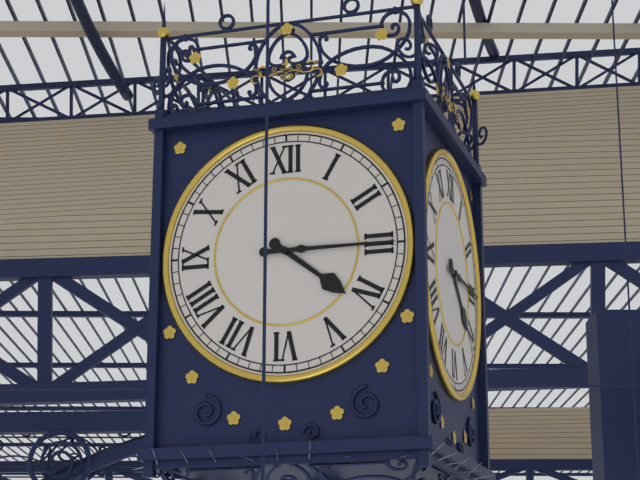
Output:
4,15
